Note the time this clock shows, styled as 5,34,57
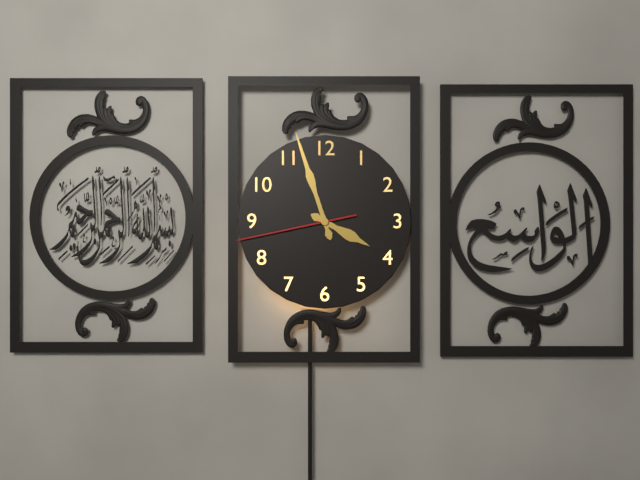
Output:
3,57,43
